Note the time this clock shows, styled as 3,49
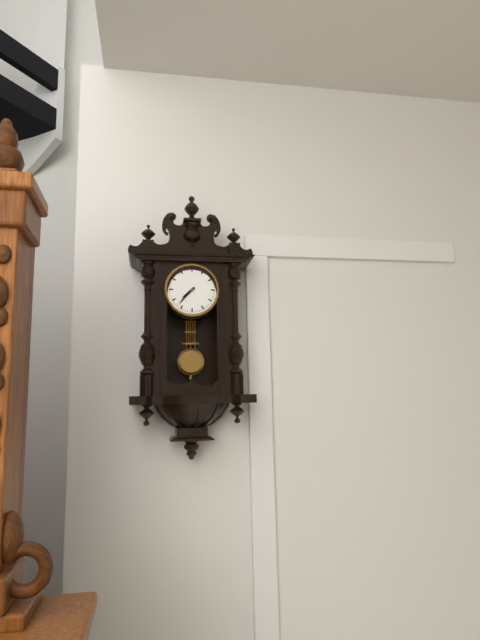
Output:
7,37
